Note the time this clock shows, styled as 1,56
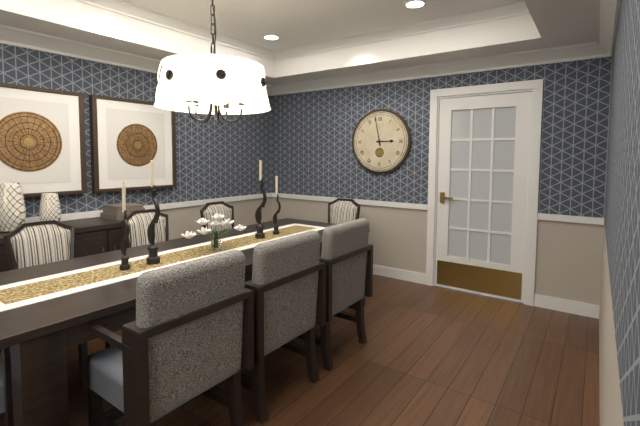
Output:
2,58
